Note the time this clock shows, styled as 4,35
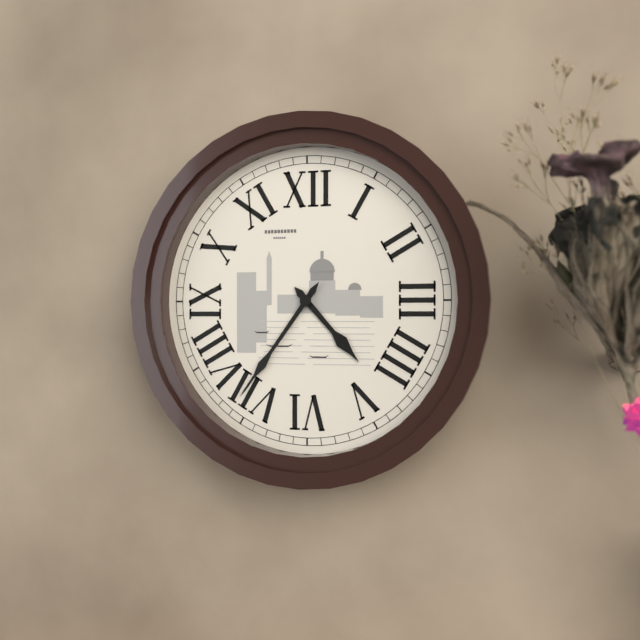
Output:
4,36
